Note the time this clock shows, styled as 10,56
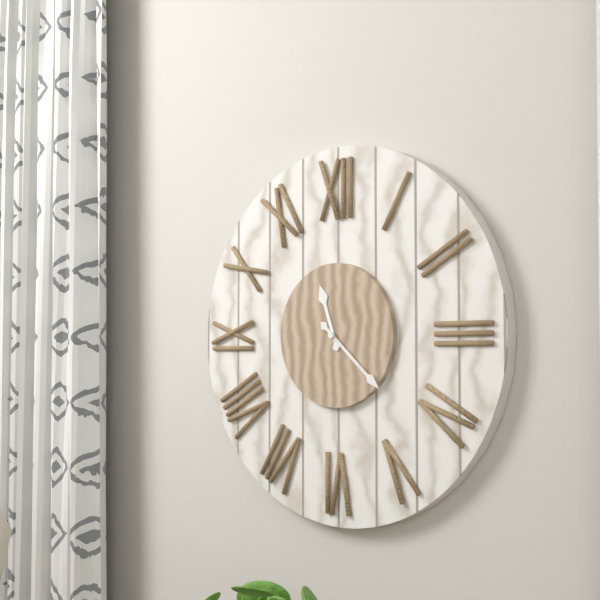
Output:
11,22
